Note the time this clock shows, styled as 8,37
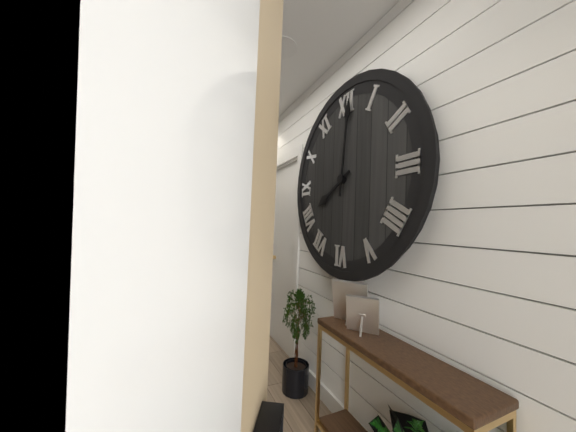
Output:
8,01
